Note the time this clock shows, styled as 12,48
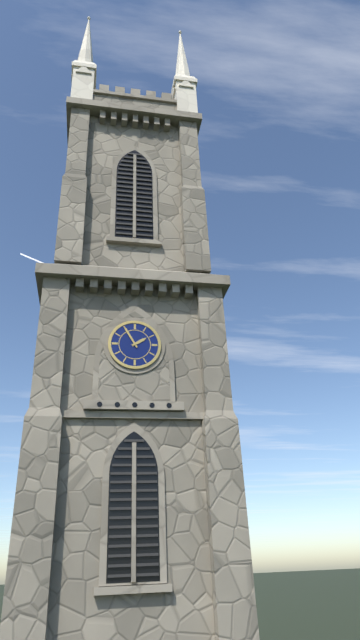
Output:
1,55
